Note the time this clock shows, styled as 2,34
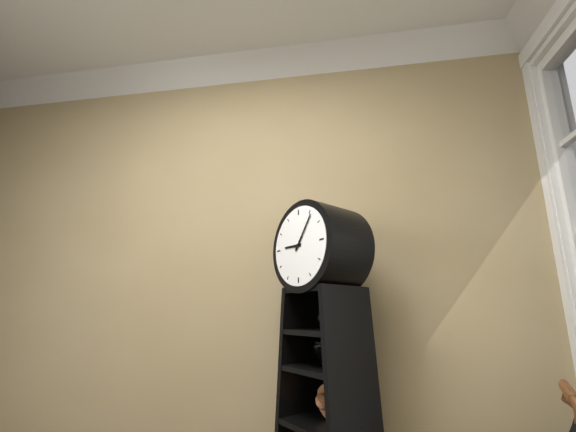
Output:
9,06
